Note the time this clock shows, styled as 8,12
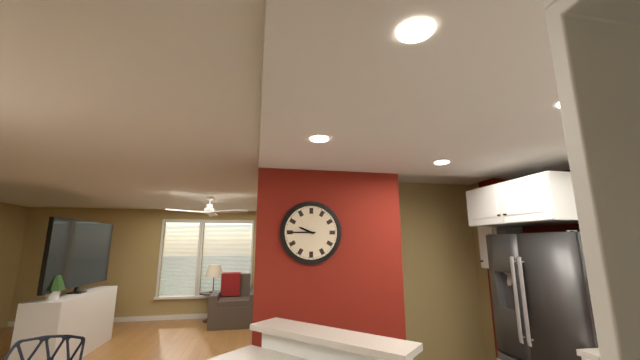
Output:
9,45
